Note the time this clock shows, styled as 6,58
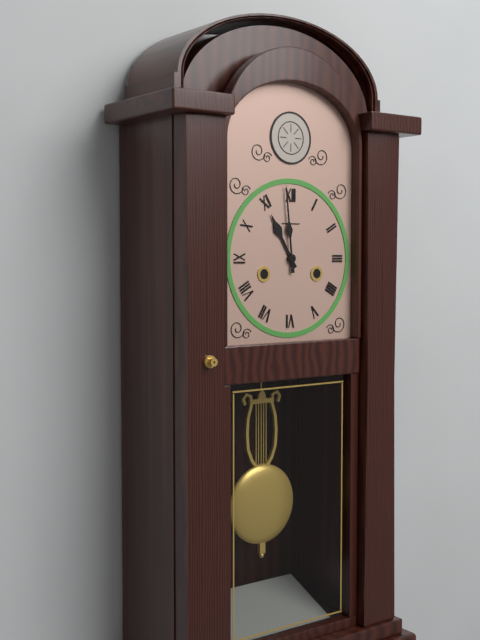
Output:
10,59
